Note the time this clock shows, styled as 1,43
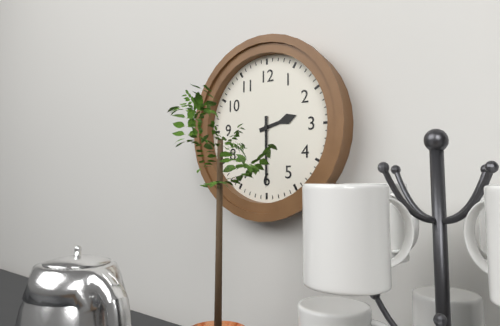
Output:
2,30
